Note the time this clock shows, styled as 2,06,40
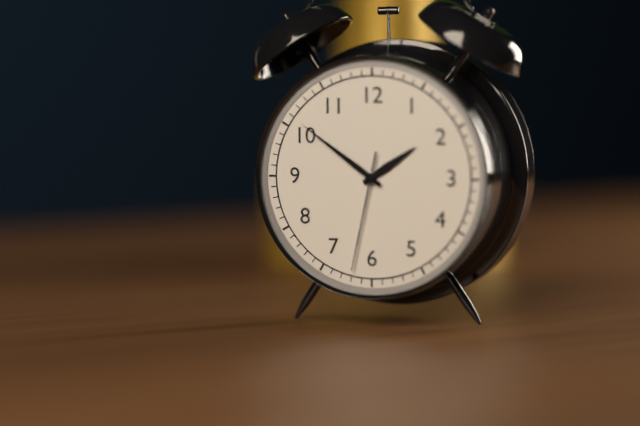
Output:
1,51,32
